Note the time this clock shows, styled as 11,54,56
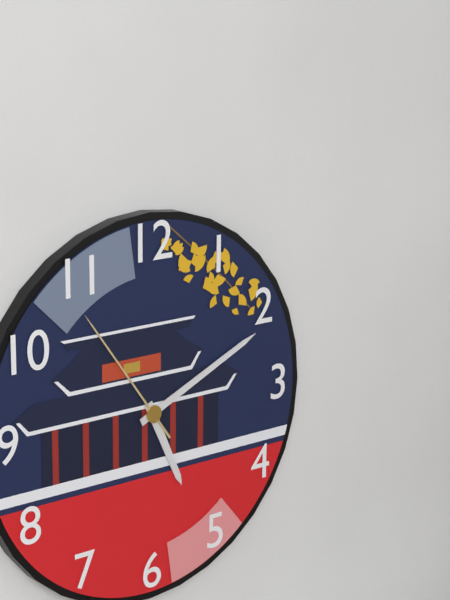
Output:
5,11,54
